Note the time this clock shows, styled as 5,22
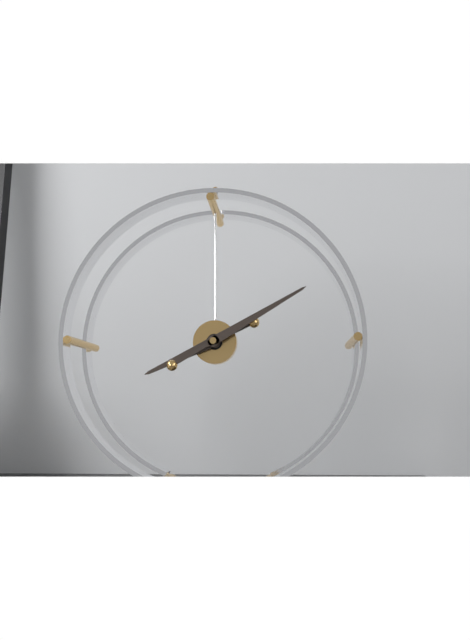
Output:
8,10
